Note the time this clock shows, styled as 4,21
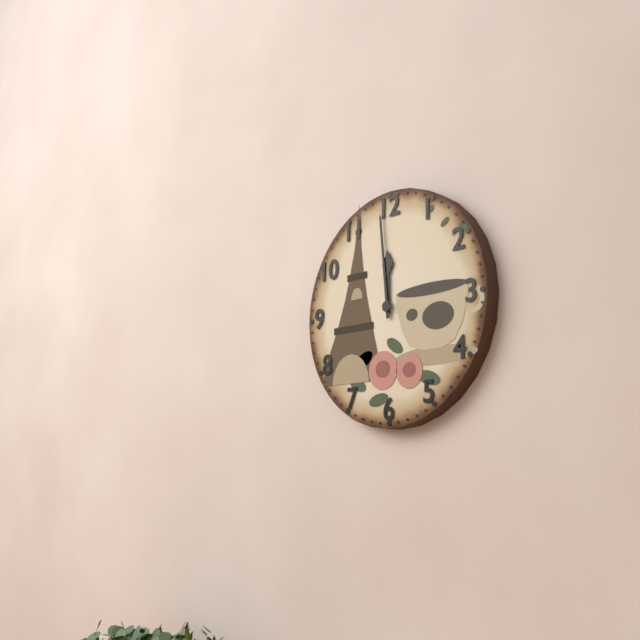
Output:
11,59
